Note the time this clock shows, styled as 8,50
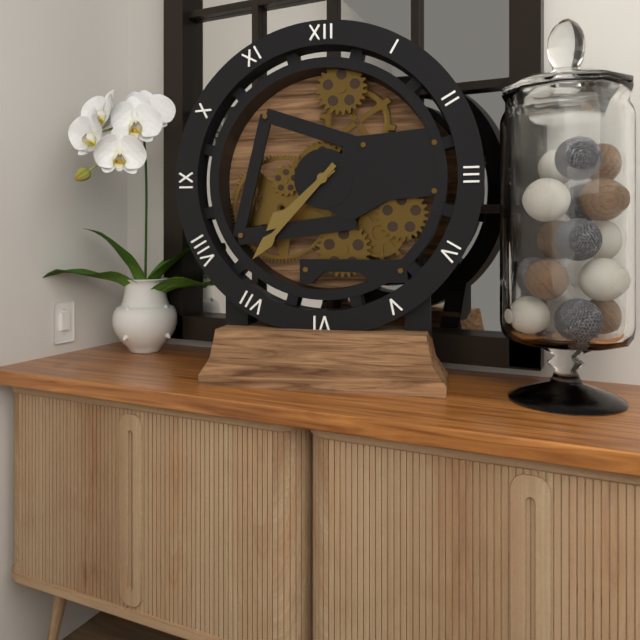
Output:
7,37
